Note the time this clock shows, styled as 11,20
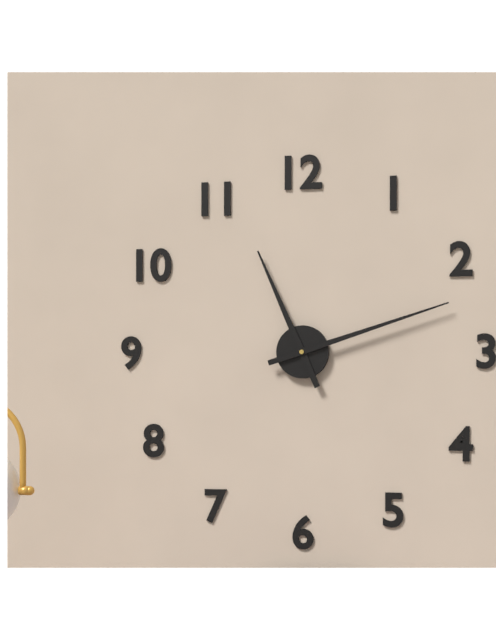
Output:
11,12
